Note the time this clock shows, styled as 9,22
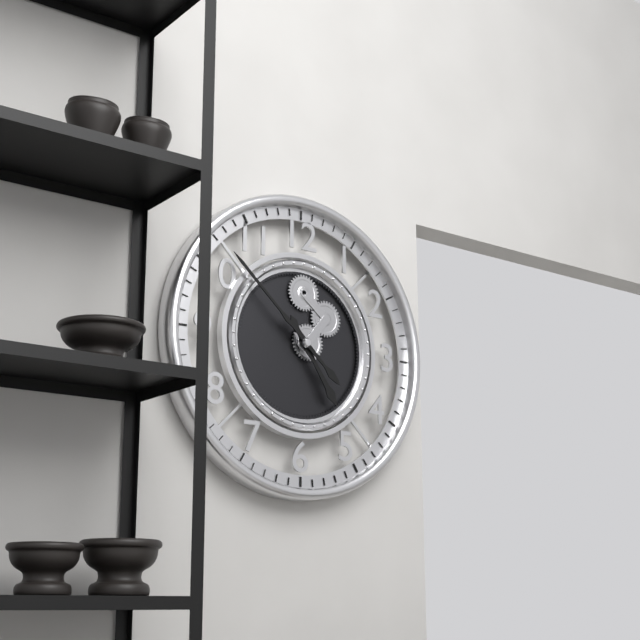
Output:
4,52
